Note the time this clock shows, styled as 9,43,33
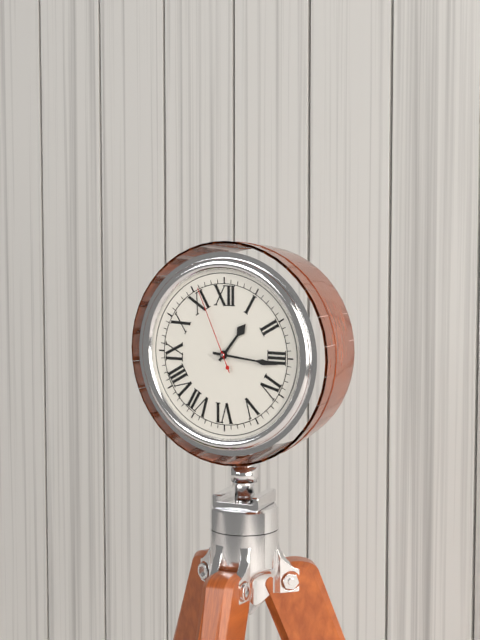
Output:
1,16,56
